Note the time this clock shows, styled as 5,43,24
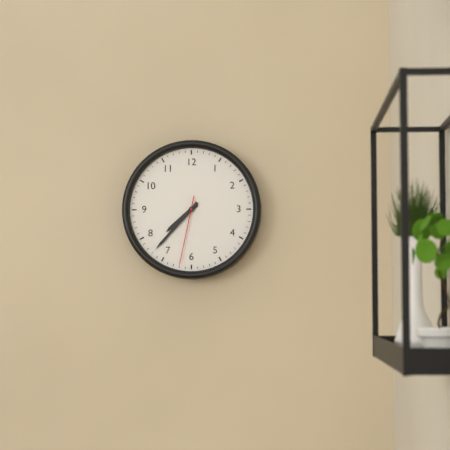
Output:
7,37,32
